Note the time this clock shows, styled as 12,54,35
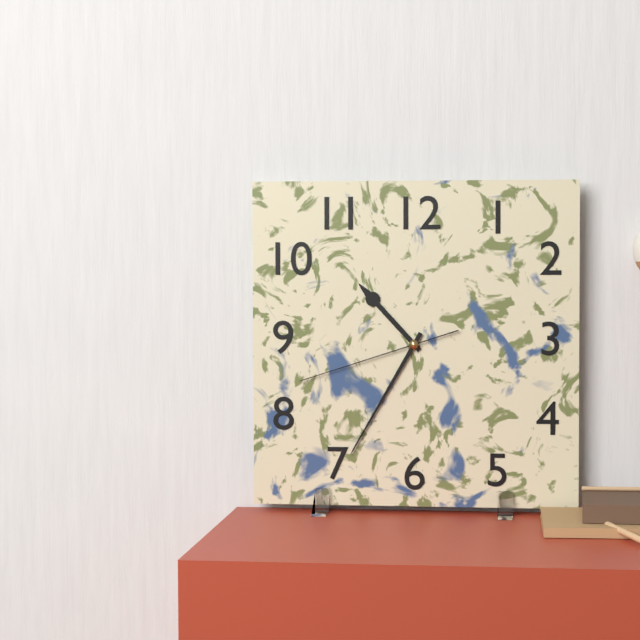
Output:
10,35,42
